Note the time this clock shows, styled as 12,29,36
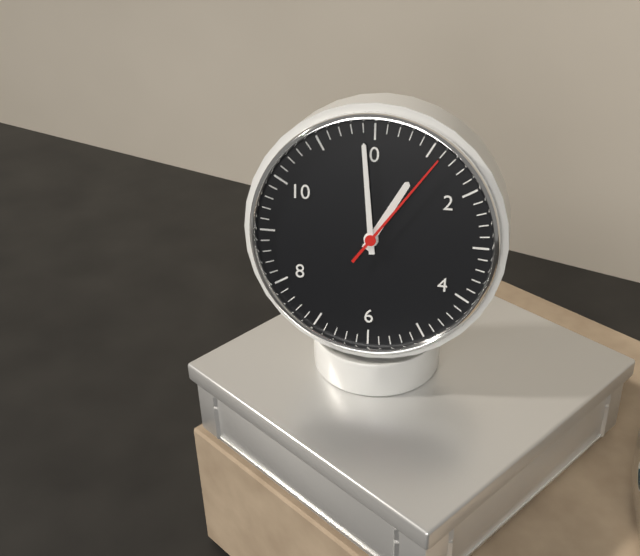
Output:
12,59,06
